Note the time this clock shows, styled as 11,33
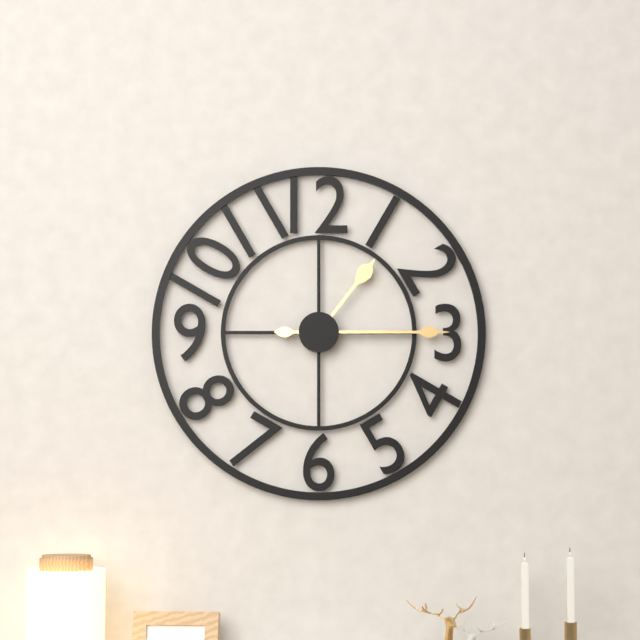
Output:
1,15
